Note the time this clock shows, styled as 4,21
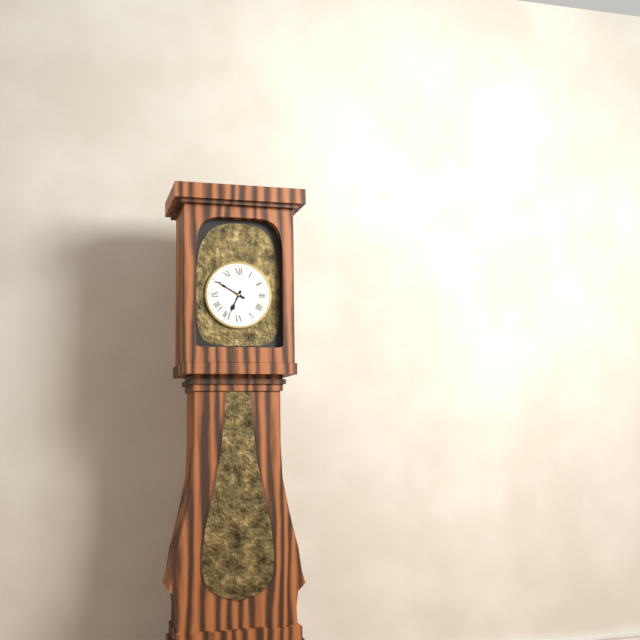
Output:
6,50
